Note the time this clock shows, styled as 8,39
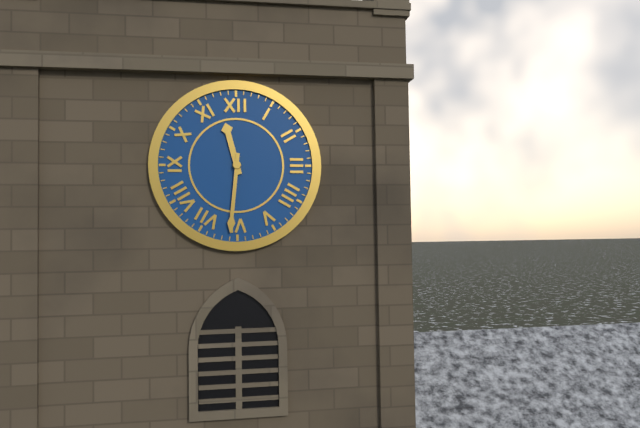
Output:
11,31
